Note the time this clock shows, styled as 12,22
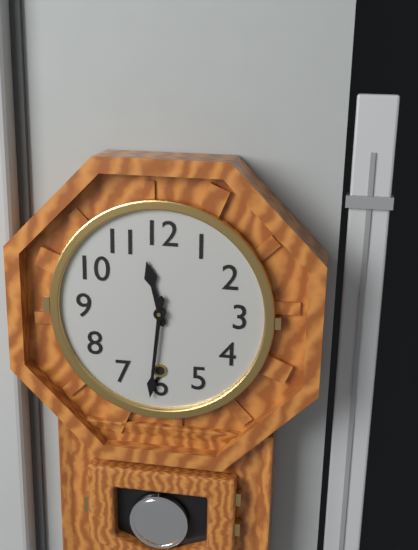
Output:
11,31
